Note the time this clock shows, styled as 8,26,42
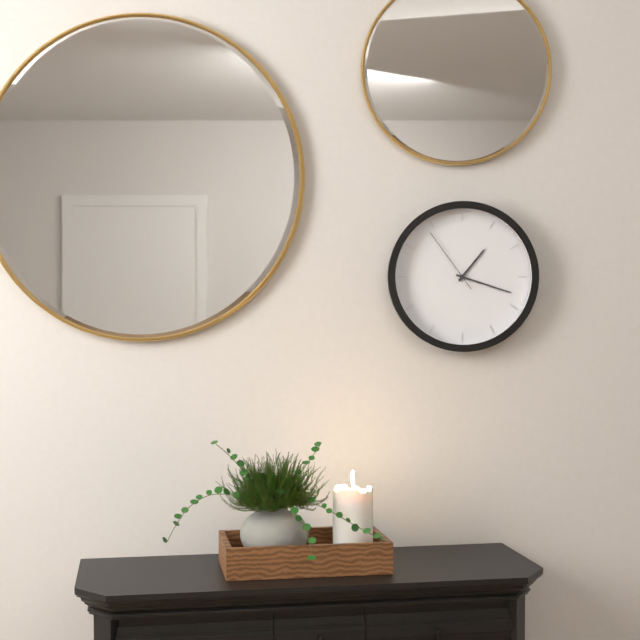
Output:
1,18,54
